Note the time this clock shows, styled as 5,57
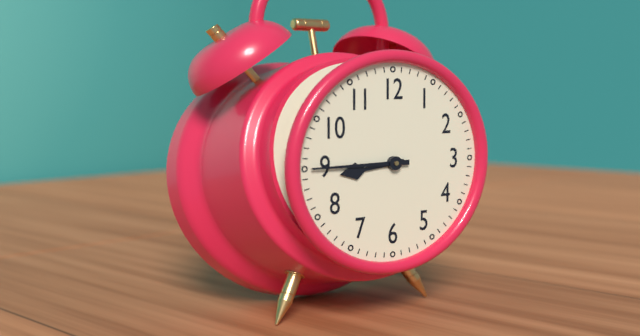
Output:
8,45
